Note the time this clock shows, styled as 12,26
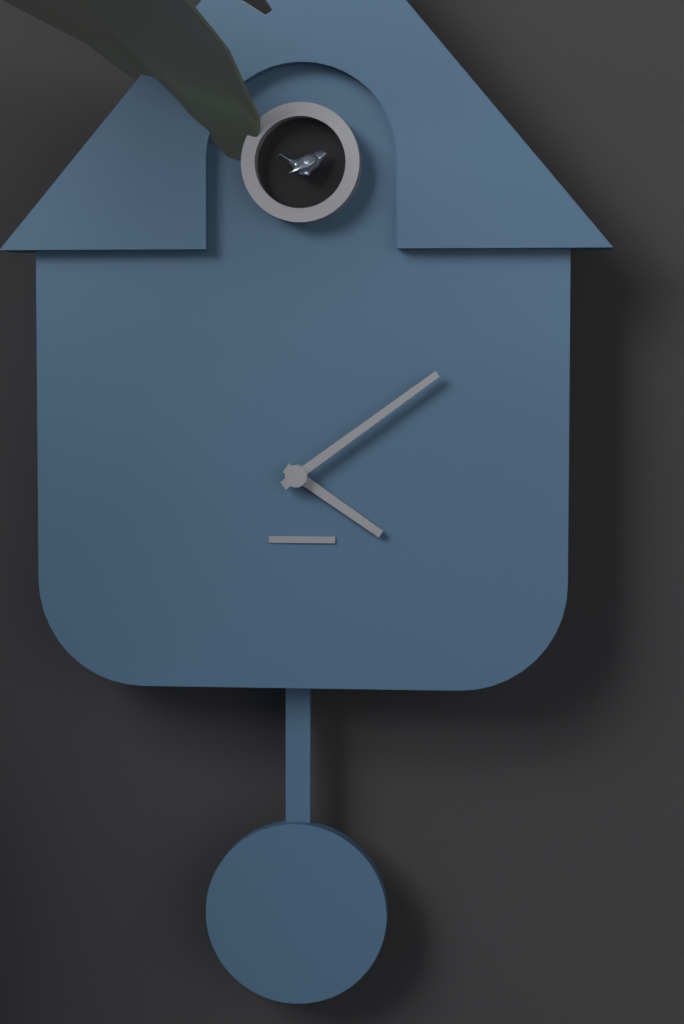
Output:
4,09
